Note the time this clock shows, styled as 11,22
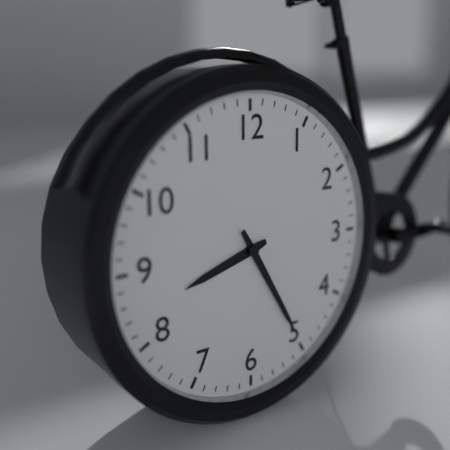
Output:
8,25
